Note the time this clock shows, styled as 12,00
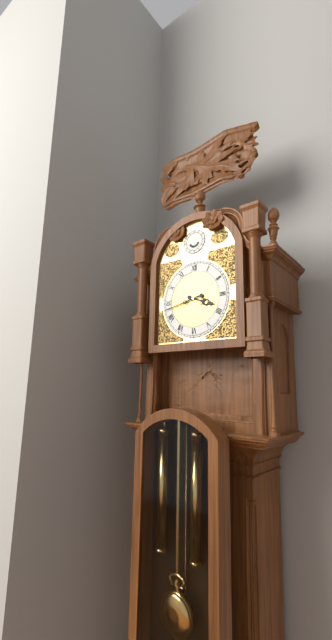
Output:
3,43
